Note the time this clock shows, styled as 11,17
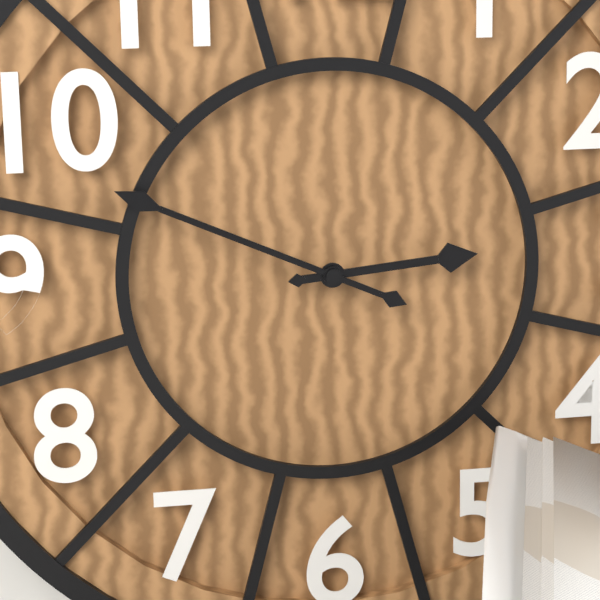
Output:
2,49
